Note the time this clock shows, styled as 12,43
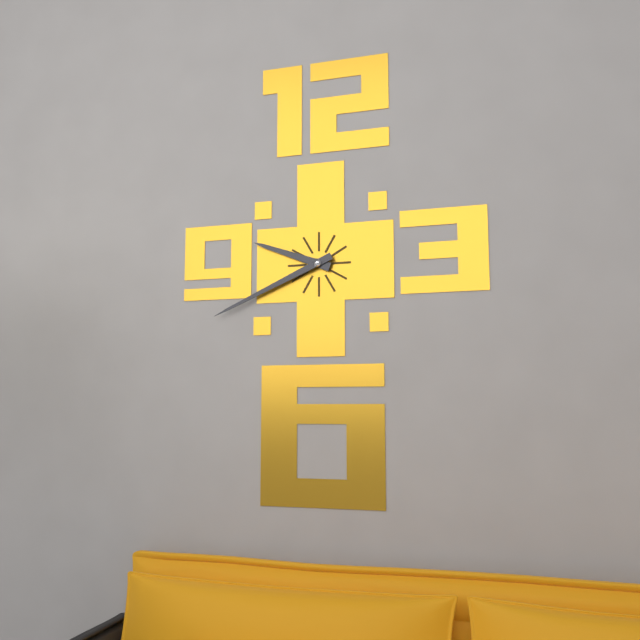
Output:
9,41
